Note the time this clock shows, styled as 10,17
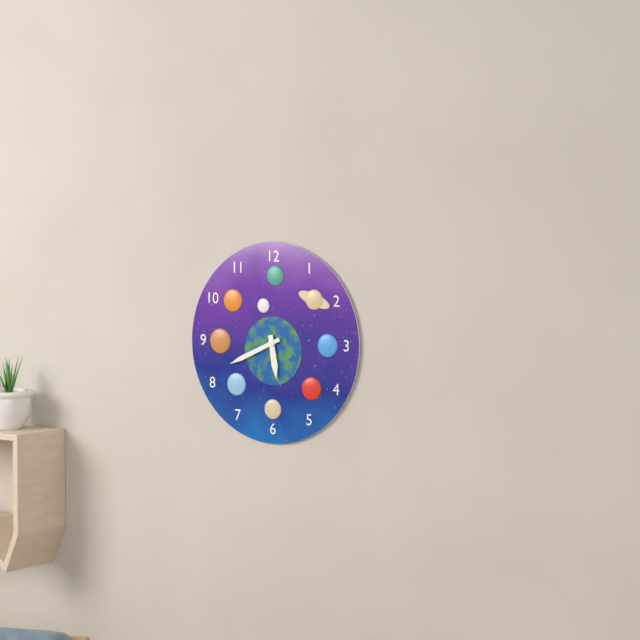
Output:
5,41
